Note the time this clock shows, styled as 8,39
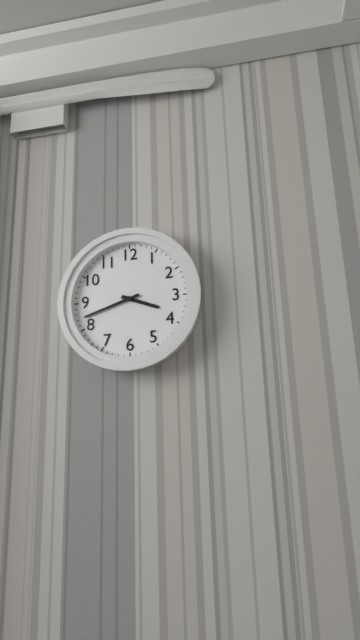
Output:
3,42
